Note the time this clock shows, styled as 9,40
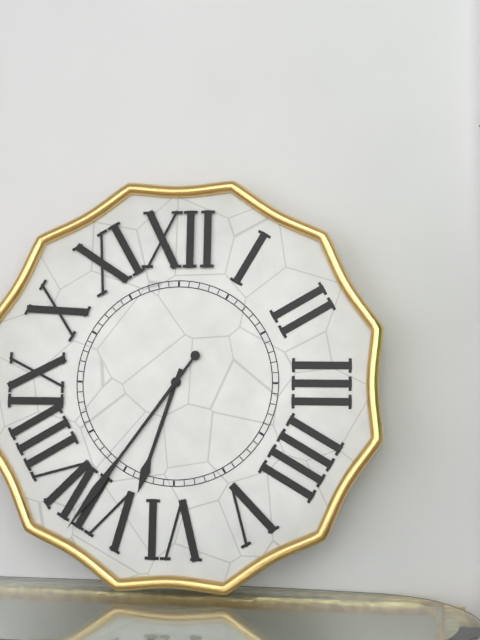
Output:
6,36
